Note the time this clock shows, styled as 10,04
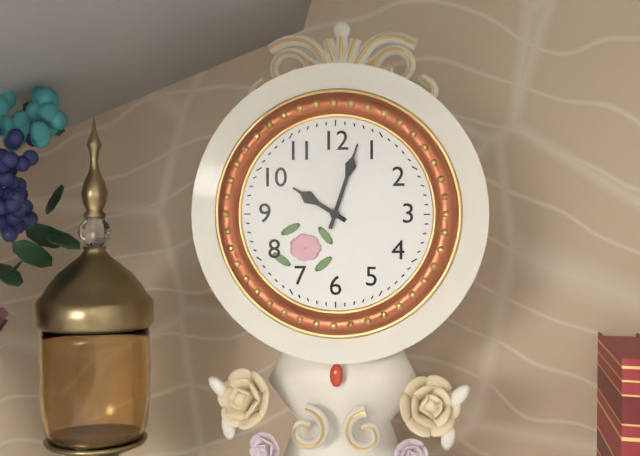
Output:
10,03
